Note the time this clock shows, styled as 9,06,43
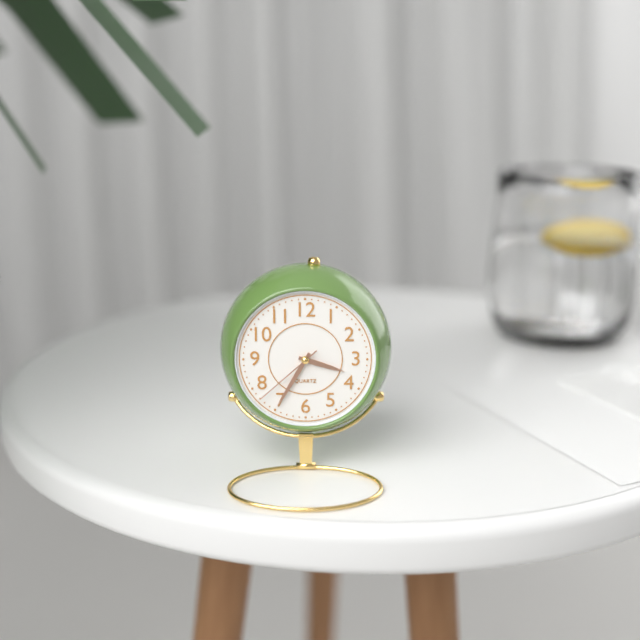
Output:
3,35,38
